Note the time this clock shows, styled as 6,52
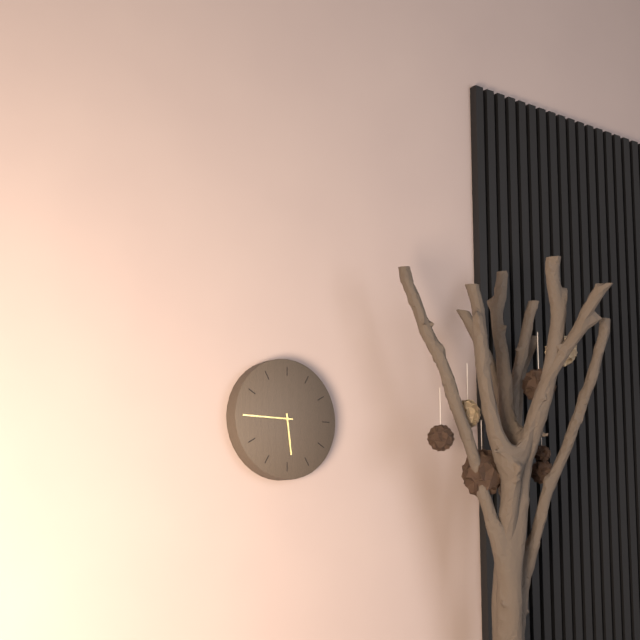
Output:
5,45
